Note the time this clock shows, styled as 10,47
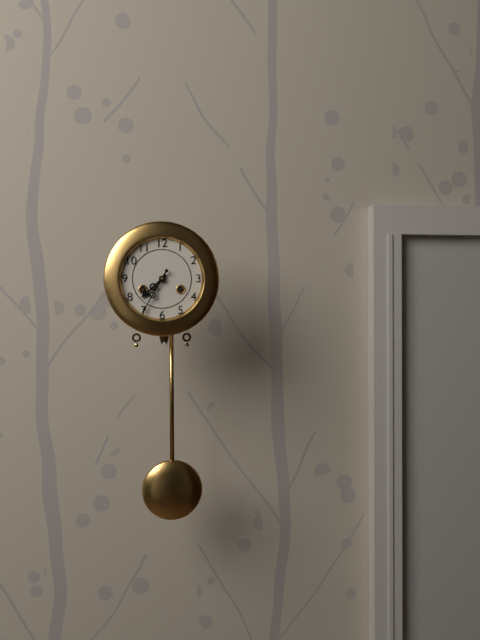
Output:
7,35
